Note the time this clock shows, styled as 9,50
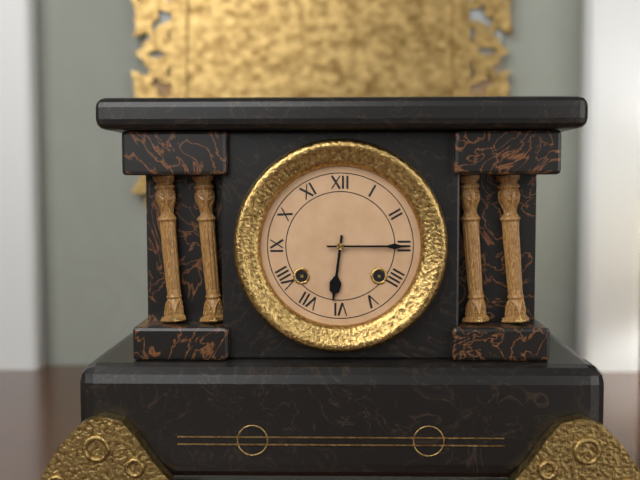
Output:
6,15
